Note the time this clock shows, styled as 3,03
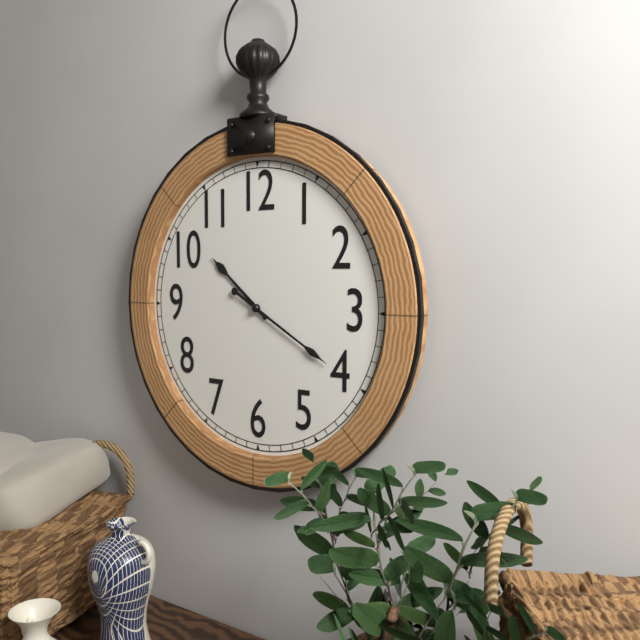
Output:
10,20
